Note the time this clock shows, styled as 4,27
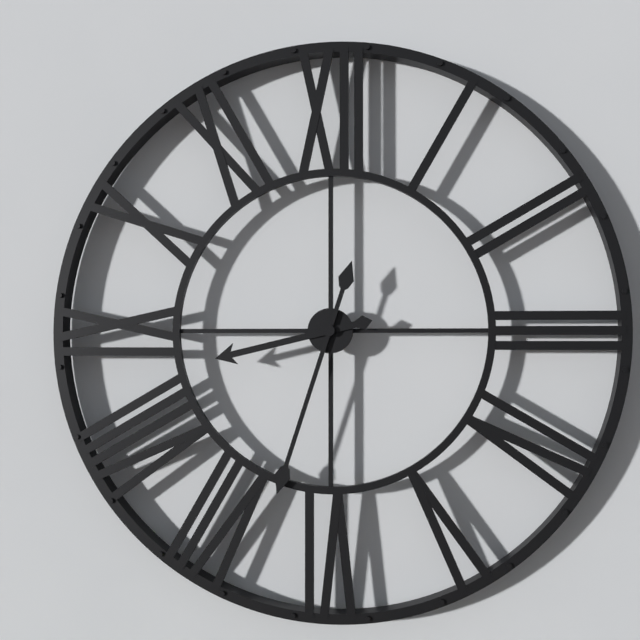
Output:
8,33
